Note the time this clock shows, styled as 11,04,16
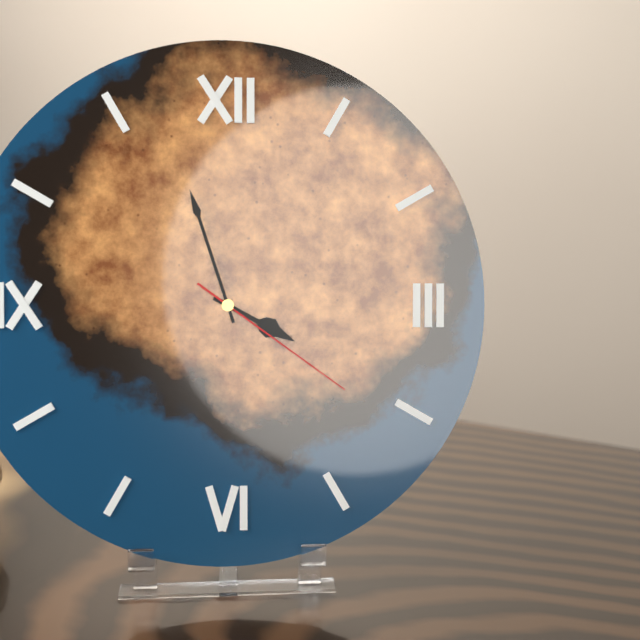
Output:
3,57,21
